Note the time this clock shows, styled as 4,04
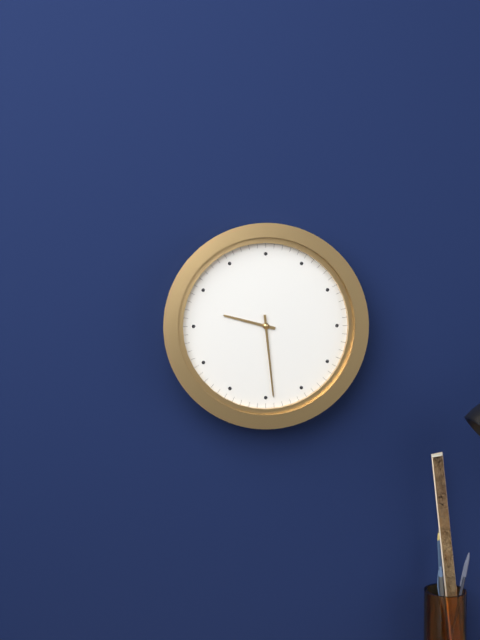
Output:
9,29
